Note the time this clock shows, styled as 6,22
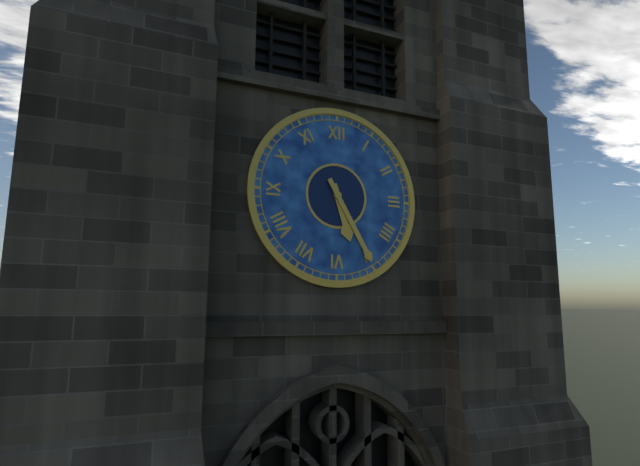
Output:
5,25
